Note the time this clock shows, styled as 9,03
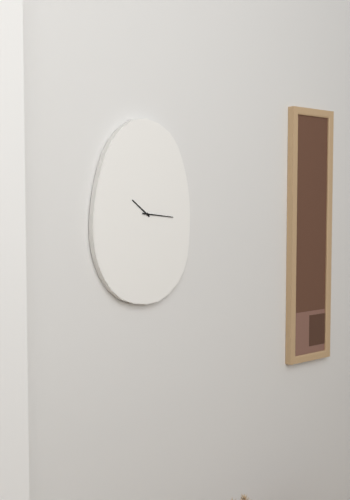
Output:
10,16
